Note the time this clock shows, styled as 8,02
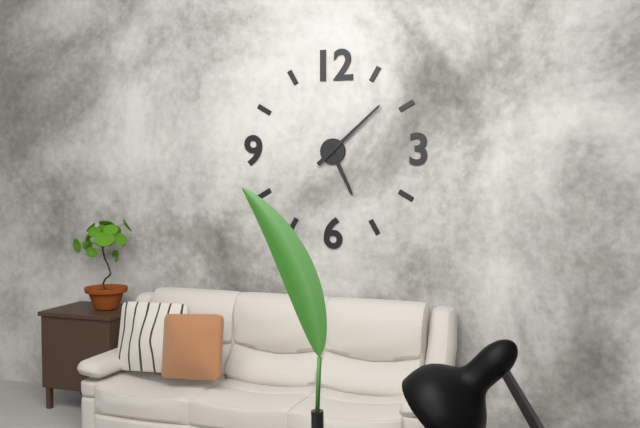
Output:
5,08
